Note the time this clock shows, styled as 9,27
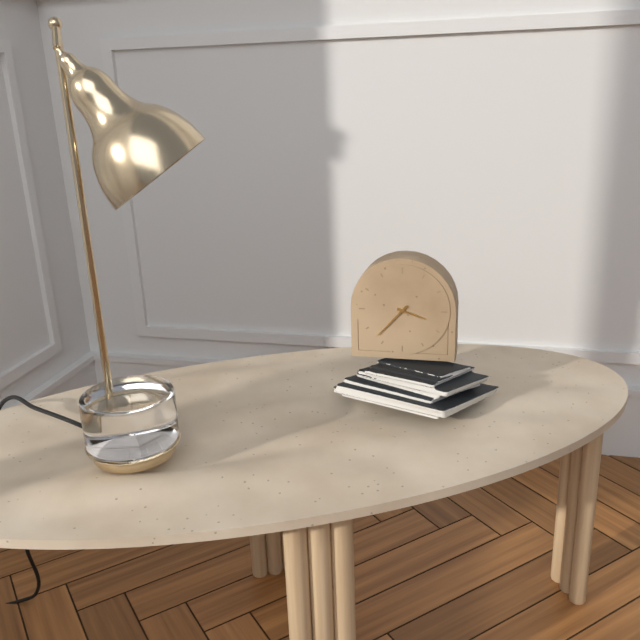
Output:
3,37
